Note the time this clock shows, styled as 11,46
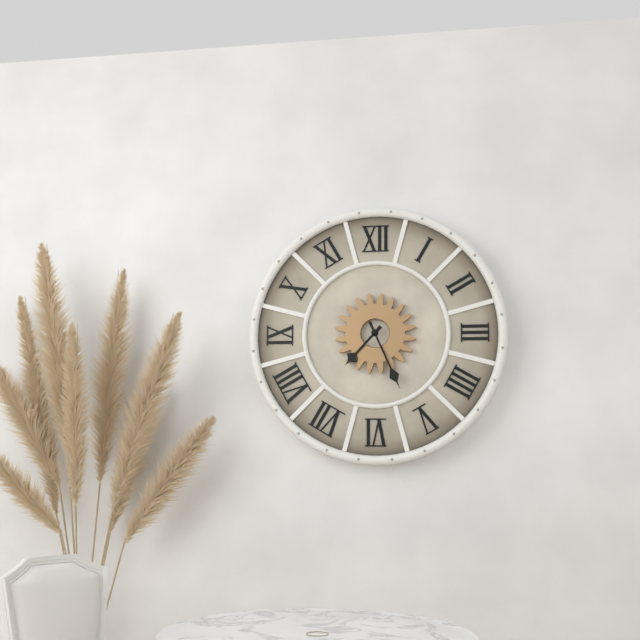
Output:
7,26
